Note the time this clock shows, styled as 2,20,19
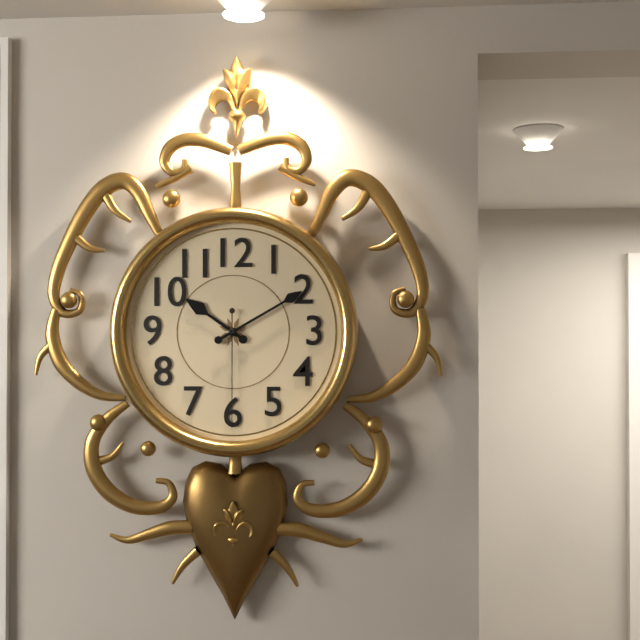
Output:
10,10,30
